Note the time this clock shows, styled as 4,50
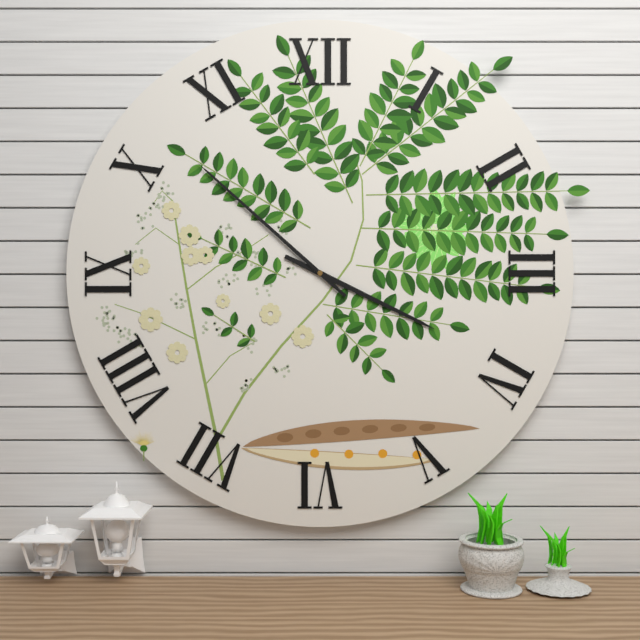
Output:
3,52
